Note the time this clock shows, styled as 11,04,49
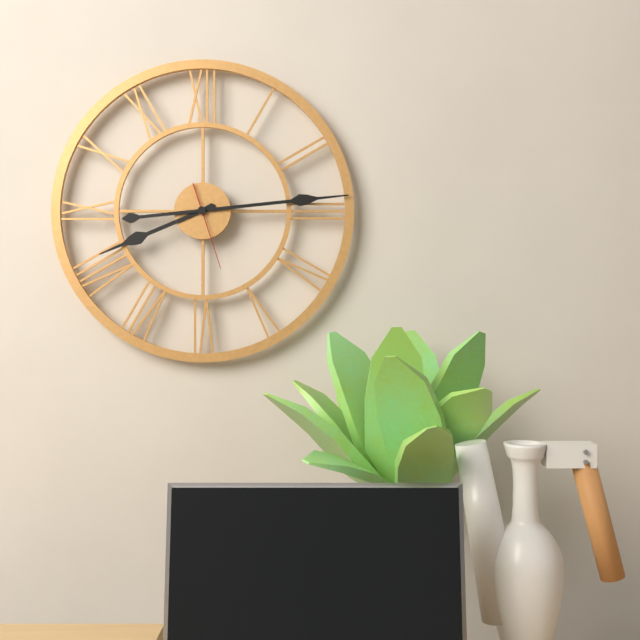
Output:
8,14,27
